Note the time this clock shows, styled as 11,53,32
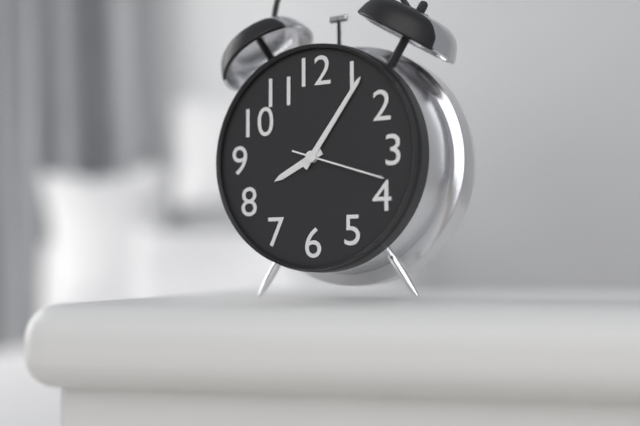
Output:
8,06,18
